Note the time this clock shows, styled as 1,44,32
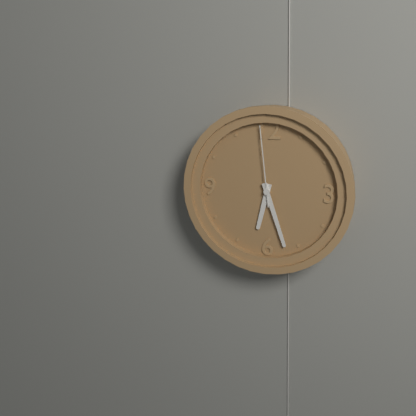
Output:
6,27,59
